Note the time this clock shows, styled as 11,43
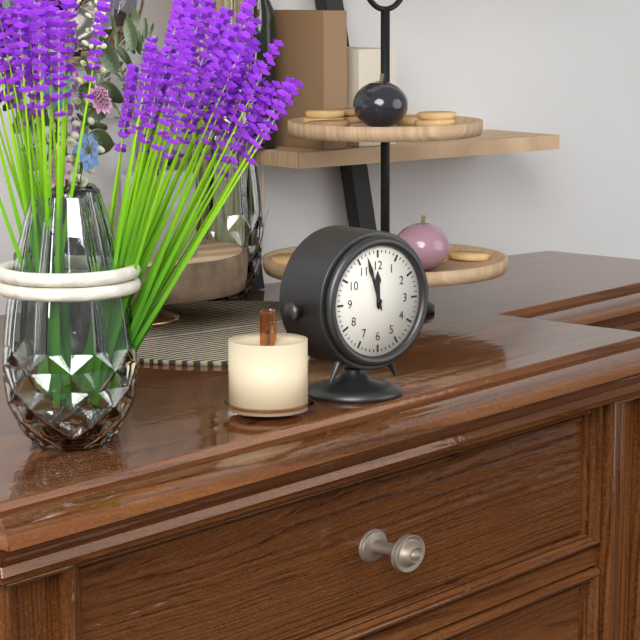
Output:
11,57
